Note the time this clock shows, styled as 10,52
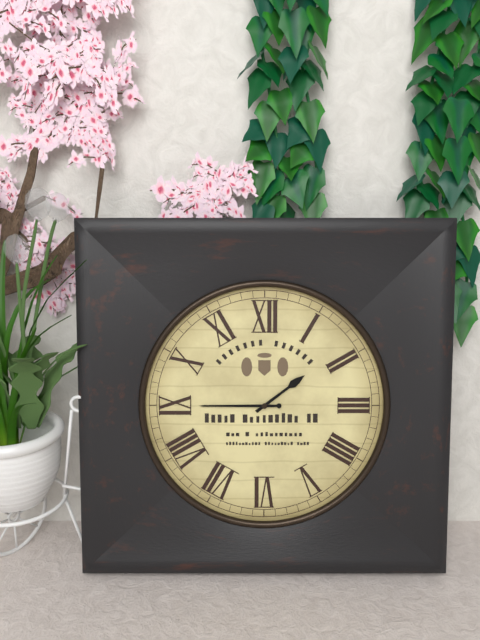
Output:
1,45
